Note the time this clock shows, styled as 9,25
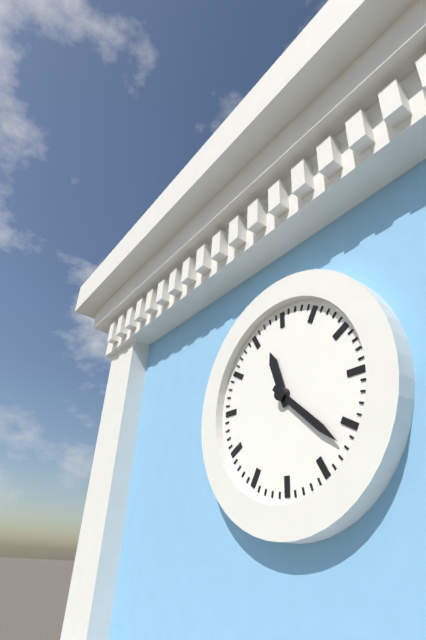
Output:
11,22
